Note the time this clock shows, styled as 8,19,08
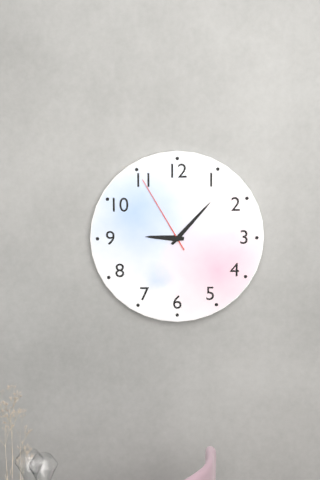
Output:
9,07,55
